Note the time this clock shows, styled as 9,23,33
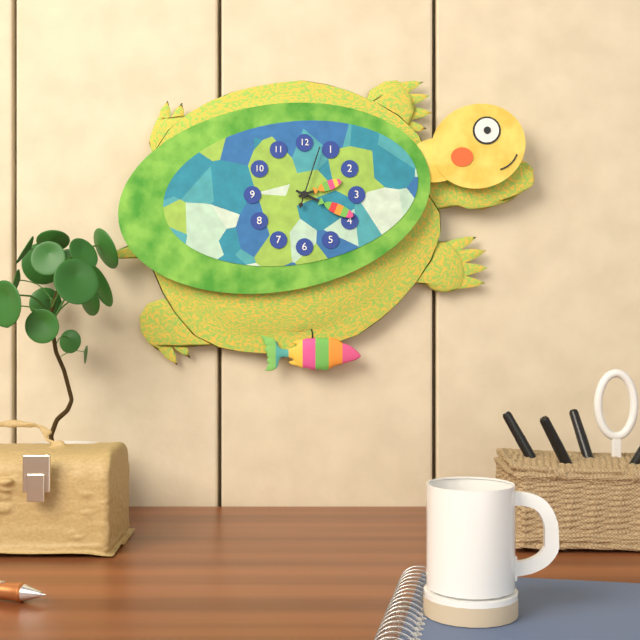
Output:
2,19,03
